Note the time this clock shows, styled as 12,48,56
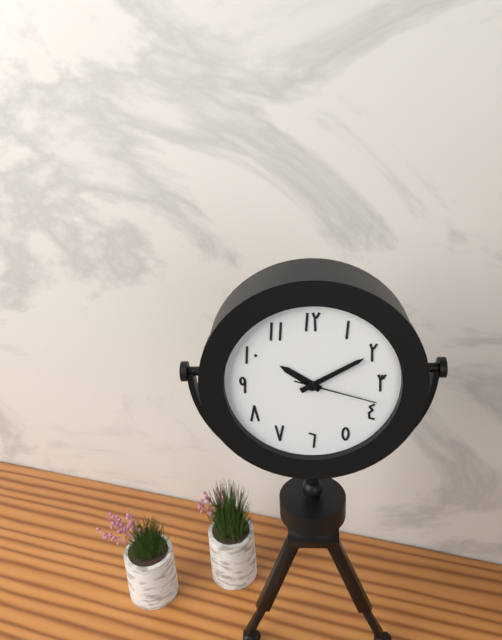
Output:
10,10,18
